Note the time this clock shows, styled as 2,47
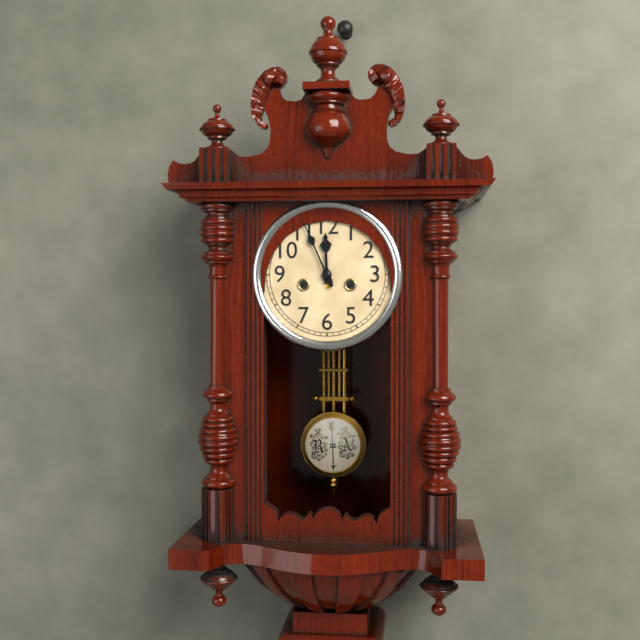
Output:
11,56
